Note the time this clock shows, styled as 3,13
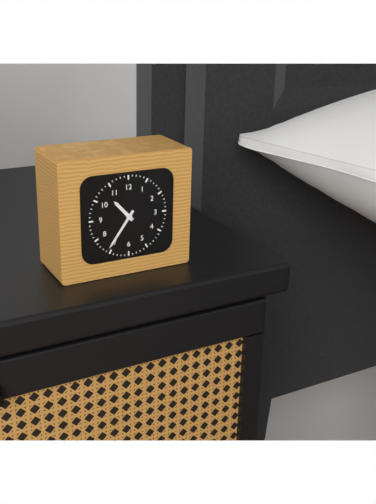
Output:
10,36
